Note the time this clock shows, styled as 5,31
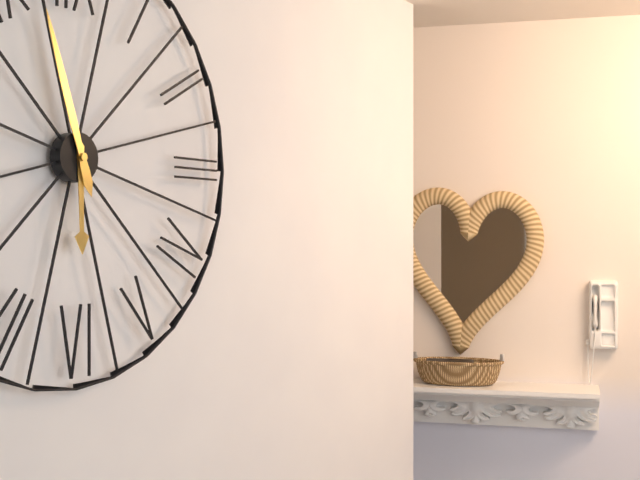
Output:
5,57
